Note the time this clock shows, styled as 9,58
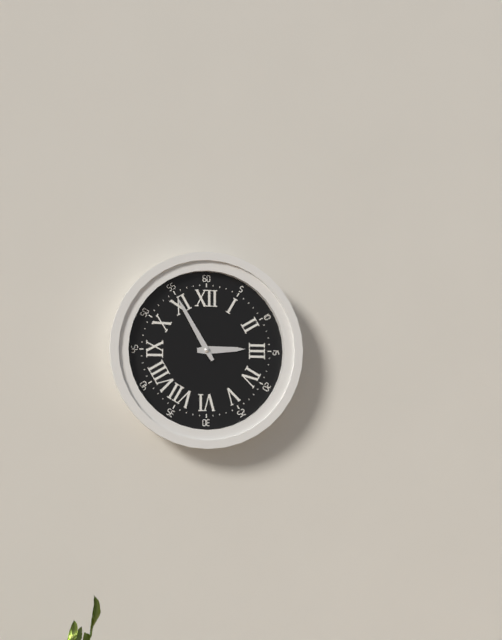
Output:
2,55
